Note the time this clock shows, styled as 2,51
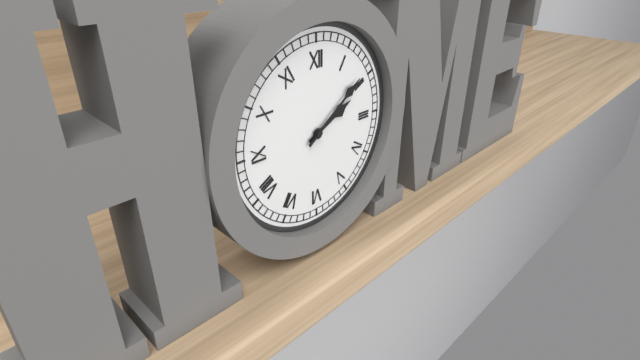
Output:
2,09
